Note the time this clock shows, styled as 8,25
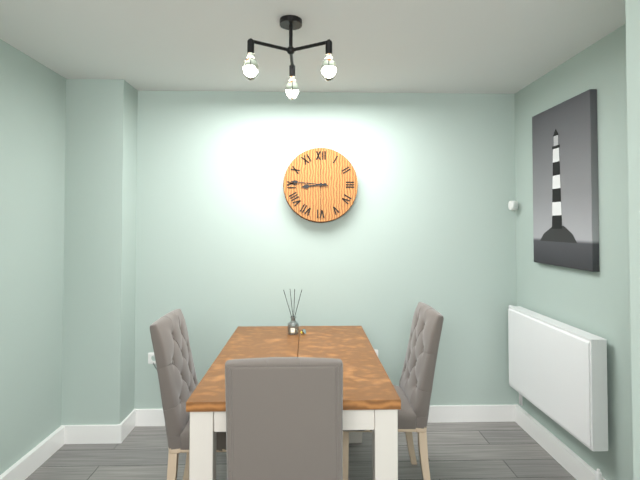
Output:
8,46
